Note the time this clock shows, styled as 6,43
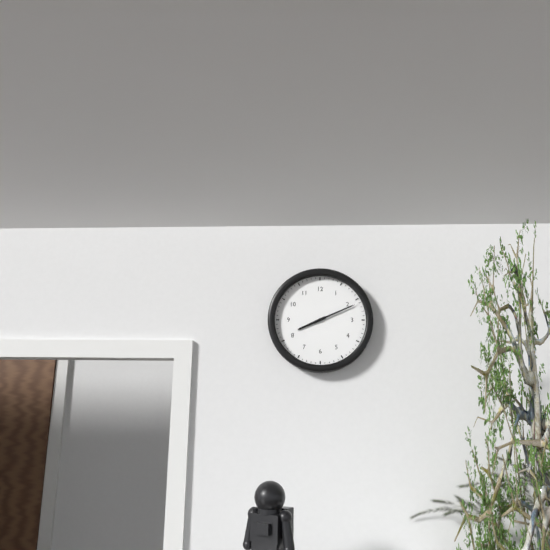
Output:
8,11
